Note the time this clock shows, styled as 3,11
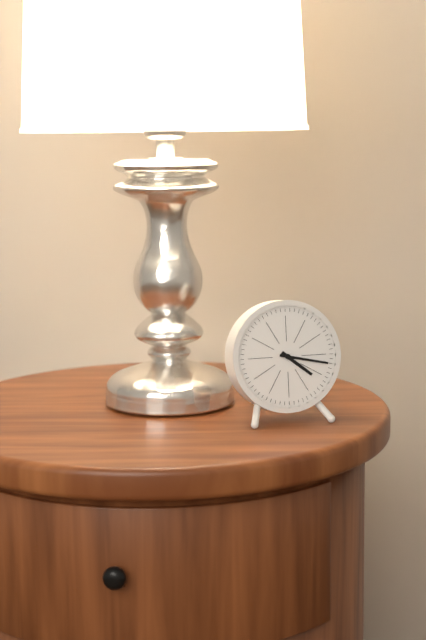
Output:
4,17
